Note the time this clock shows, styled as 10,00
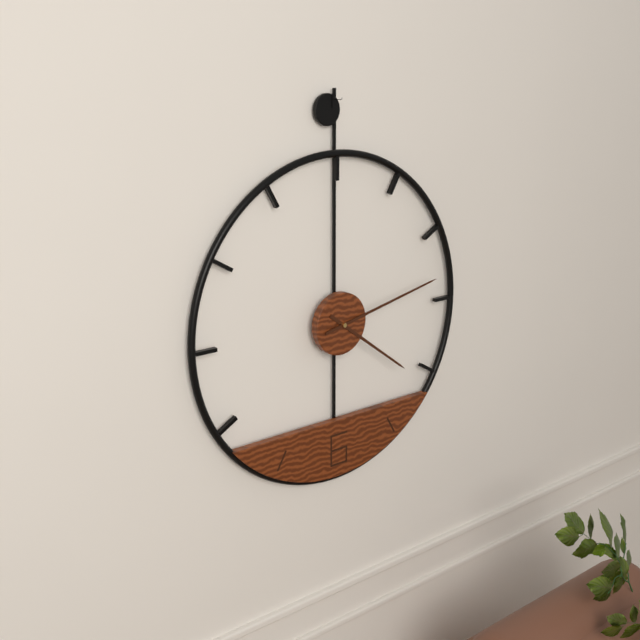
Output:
4,13
